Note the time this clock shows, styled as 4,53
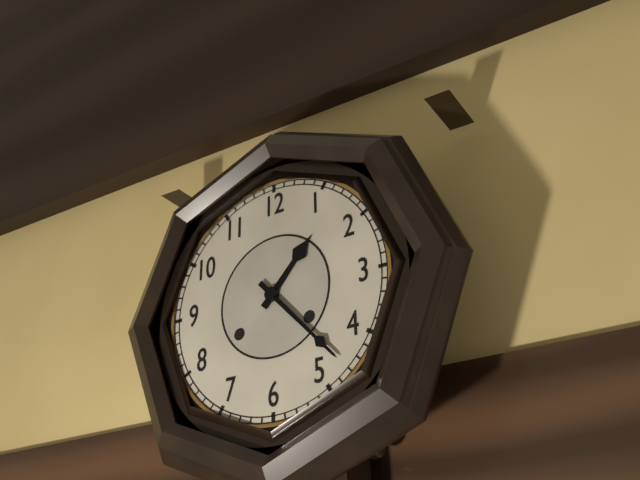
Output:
1,23
